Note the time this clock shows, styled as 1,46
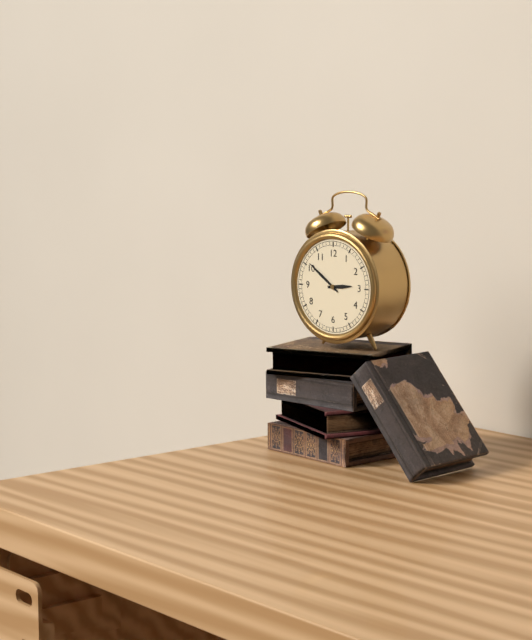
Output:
2,51
